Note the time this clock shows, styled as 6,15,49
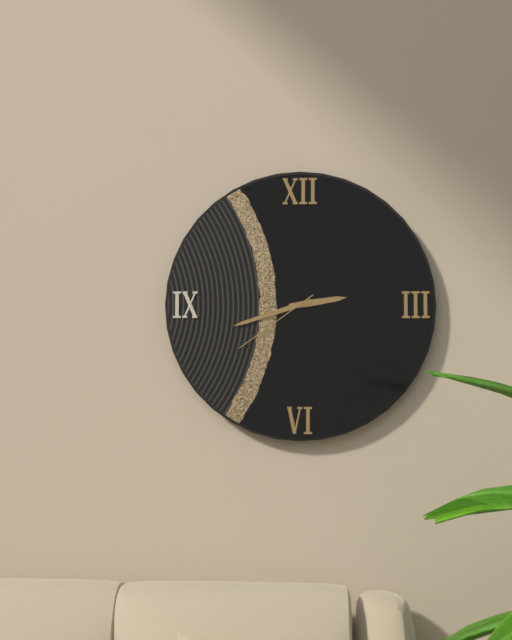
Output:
2,42,39
